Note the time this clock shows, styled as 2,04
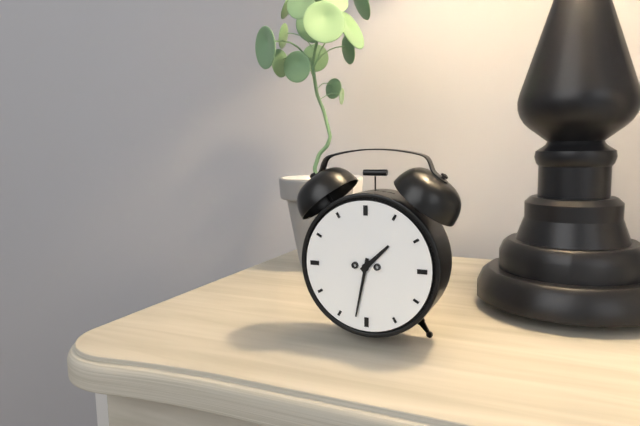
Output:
1,32
